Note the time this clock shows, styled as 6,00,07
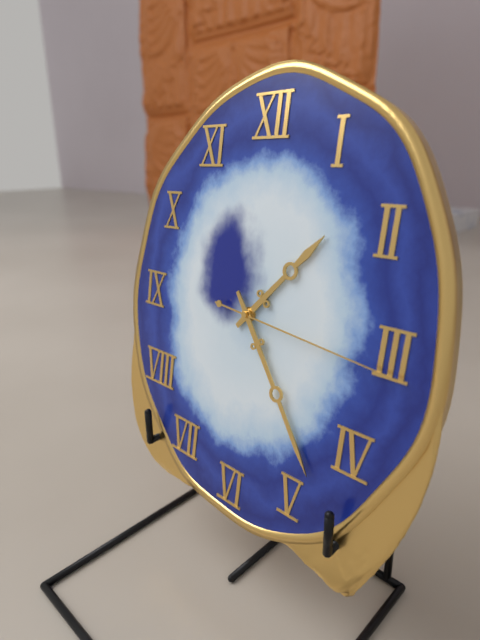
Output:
1,24,16
